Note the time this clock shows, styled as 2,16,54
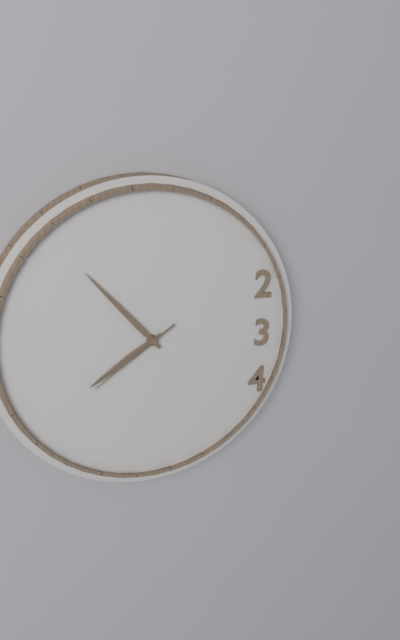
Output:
7,53,39
